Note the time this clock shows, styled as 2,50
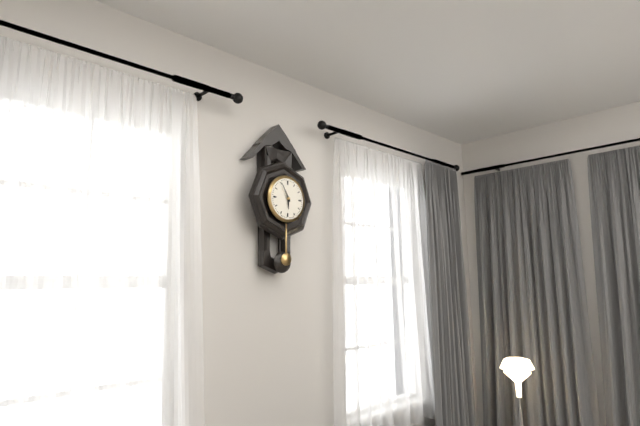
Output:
5,55
